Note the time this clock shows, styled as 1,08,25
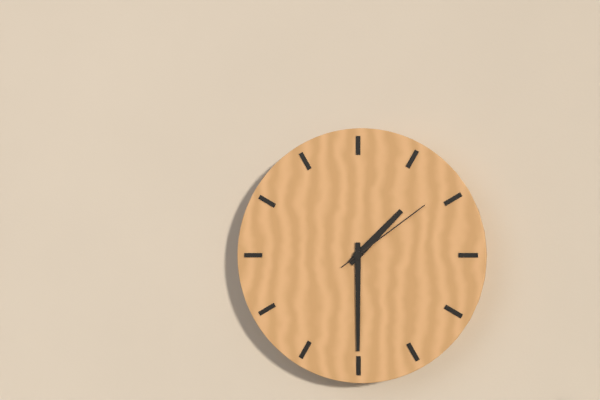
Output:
1,30,09
